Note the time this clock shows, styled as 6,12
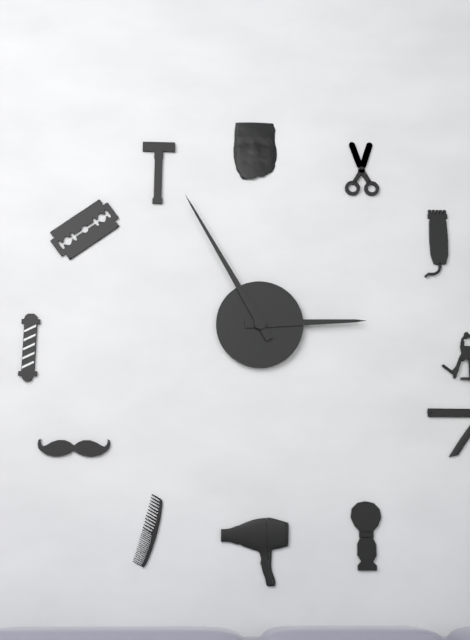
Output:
2,55
